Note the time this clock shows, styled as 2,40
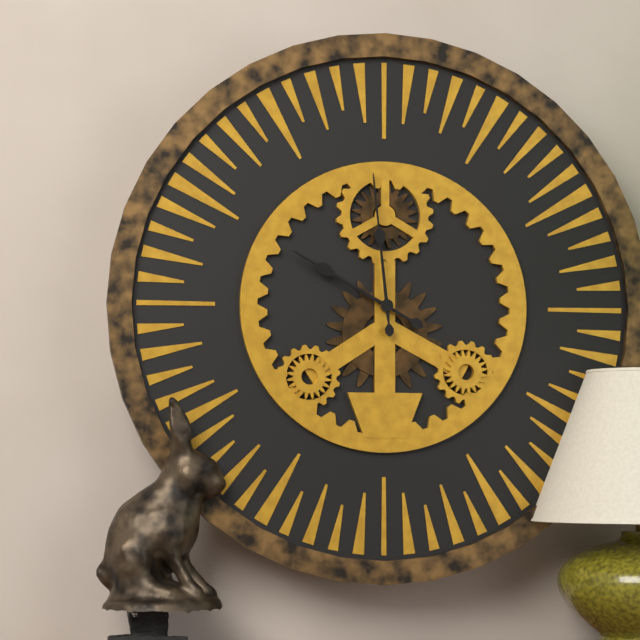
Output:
9,59
